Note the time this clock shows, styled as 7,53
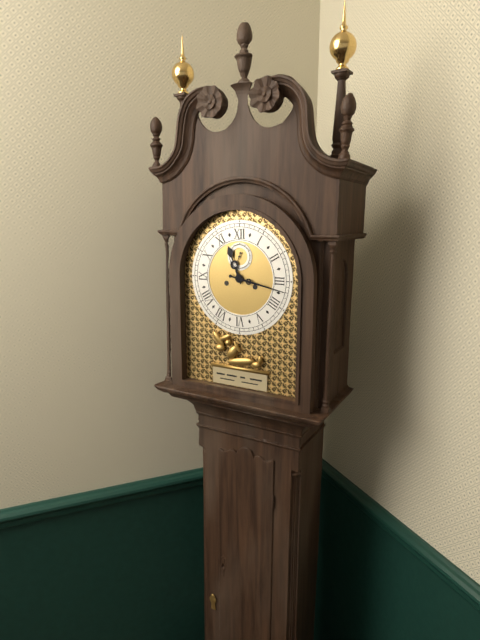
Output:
11,17
